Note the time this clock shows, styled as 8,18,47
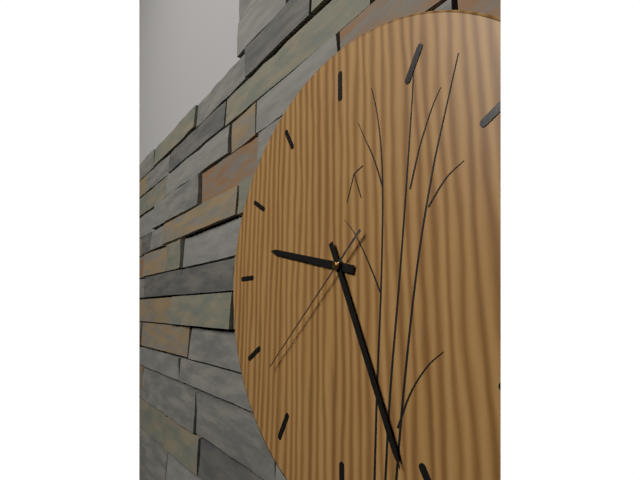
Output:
9,26,38
